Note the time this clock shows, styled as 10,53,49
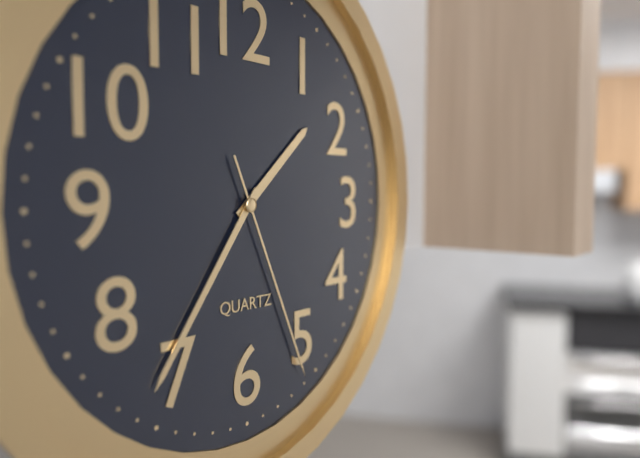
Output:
1,36,26
